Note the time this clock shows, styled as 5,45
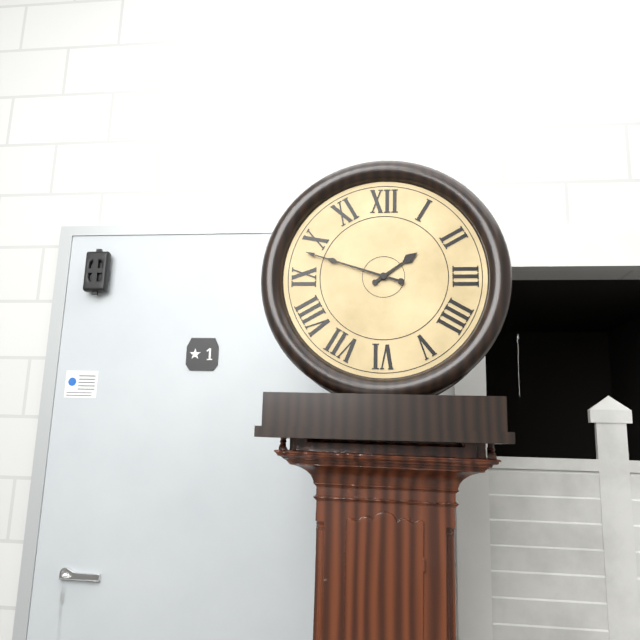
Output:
1,48
